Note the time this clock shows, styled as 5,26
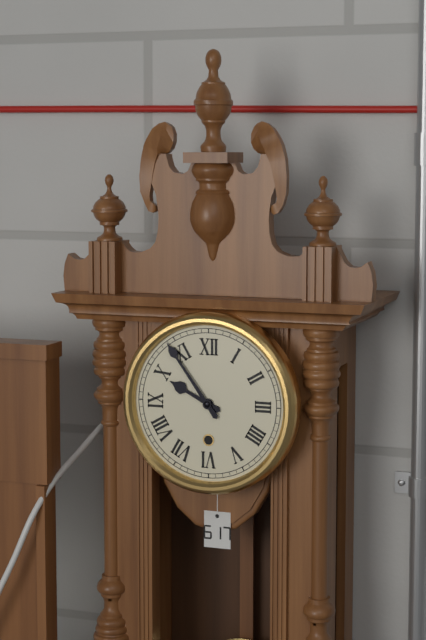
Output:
9,54
